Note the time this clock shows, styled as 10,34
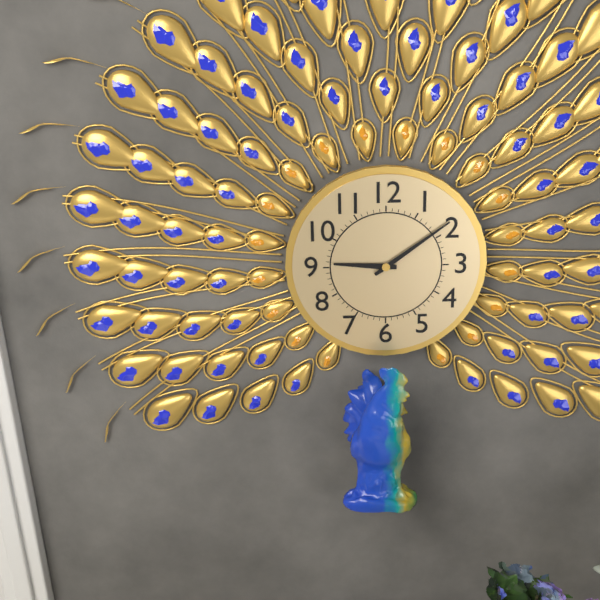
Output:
9,09
